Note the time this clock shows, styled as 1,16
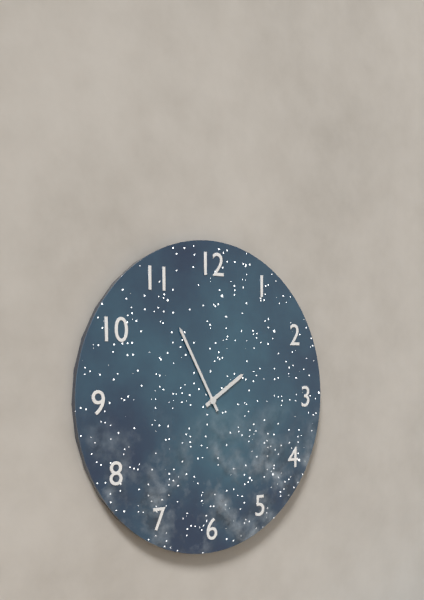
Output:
1,55
